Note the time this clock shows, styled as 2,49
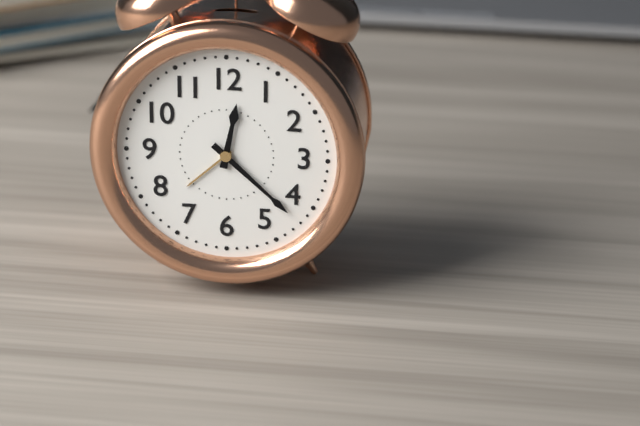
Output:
12,22
